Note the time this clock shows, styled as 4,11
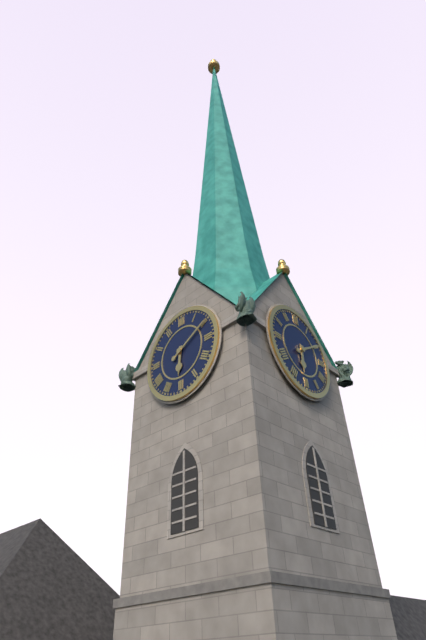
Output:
6,10
